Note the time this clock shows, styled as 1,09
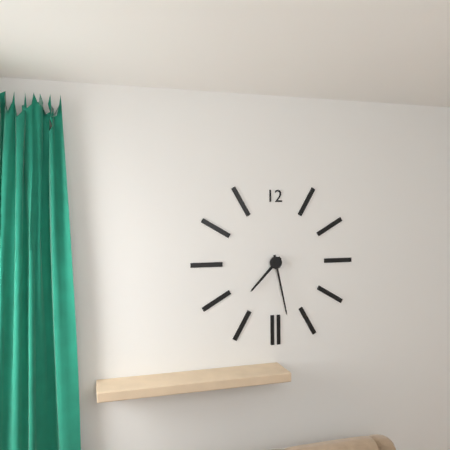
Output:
7,28
